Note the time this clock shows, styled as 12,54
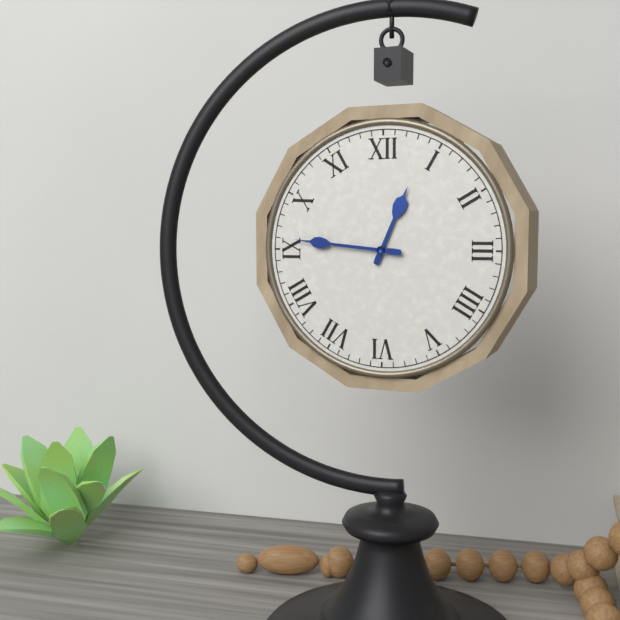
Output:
12,46
